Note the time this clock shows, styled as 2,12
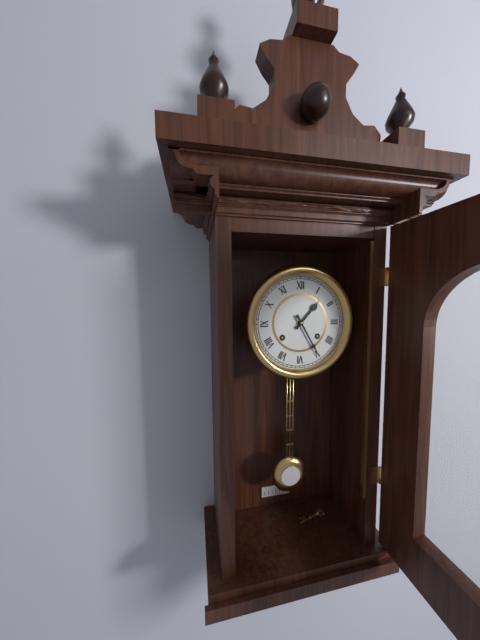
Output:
1,25
